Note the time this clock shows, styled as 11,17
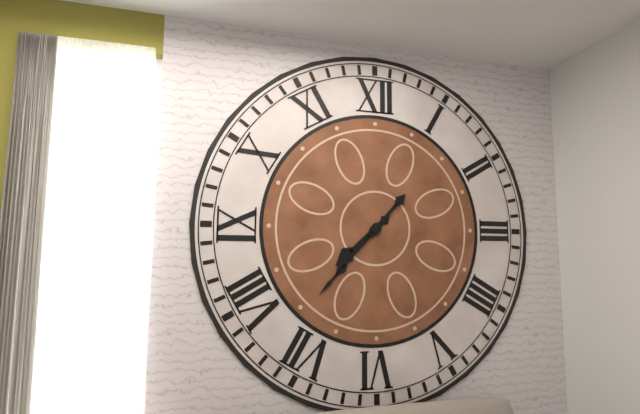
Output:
7,37
